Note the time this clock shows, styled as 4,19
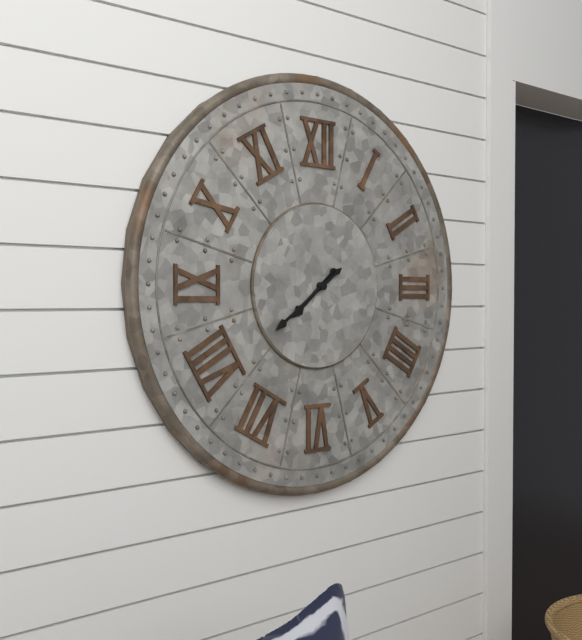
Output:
7,39
